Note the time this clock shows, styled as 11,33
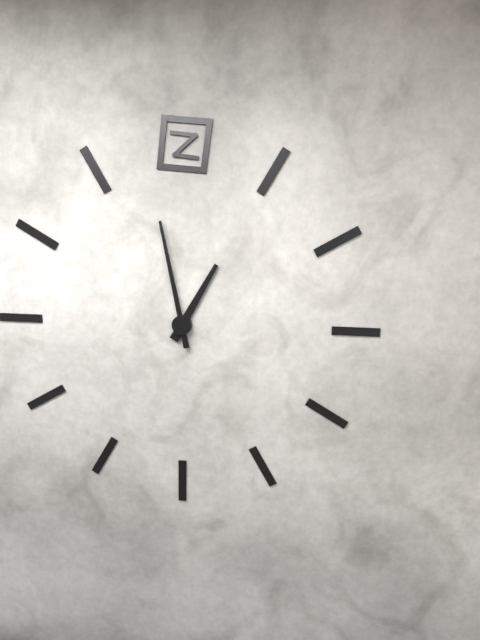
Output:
12,58
